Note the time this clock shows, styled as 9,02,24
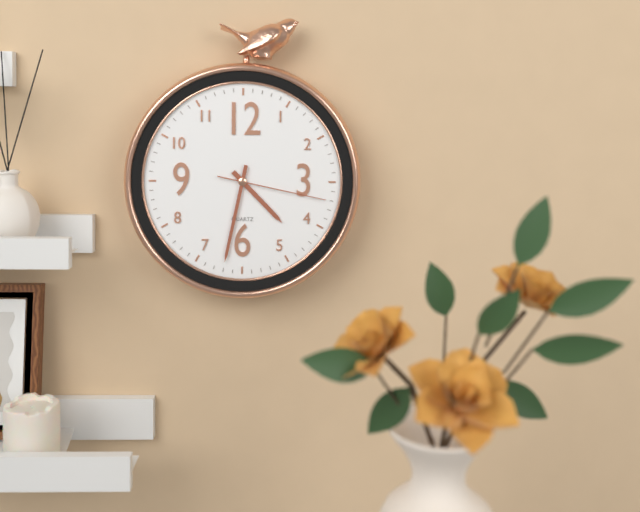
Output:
4,32,17
